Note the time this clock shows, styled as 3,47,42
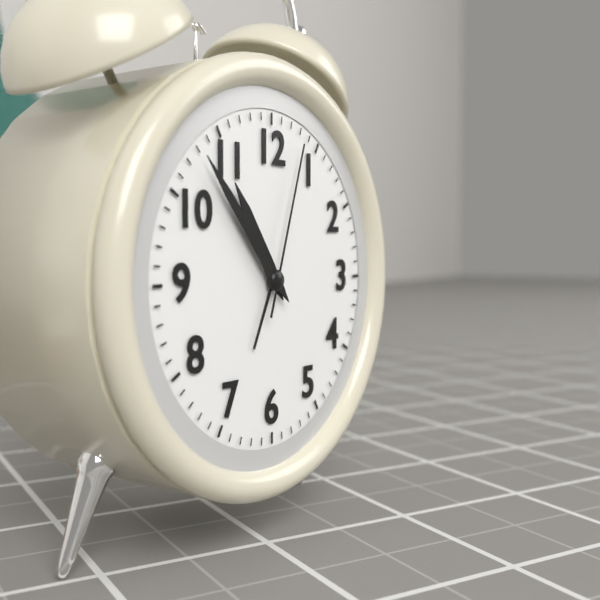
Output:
10,53,03
